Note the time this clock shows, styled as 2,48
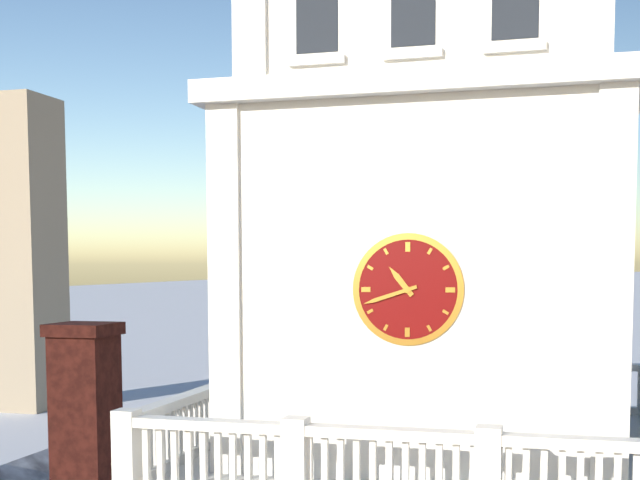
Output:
10,42
